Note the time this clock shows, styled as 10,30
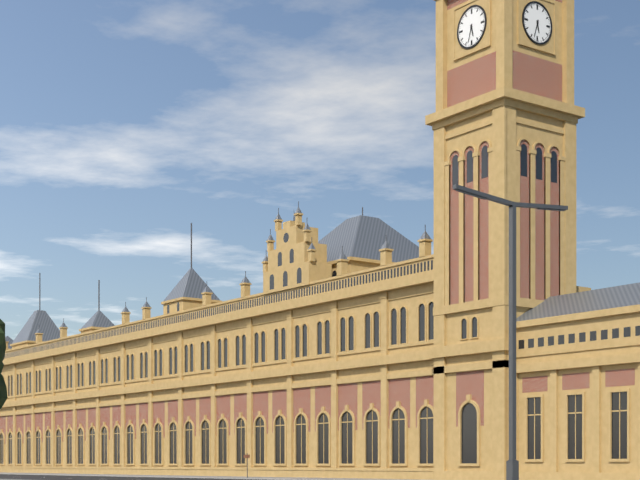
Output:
5,33
